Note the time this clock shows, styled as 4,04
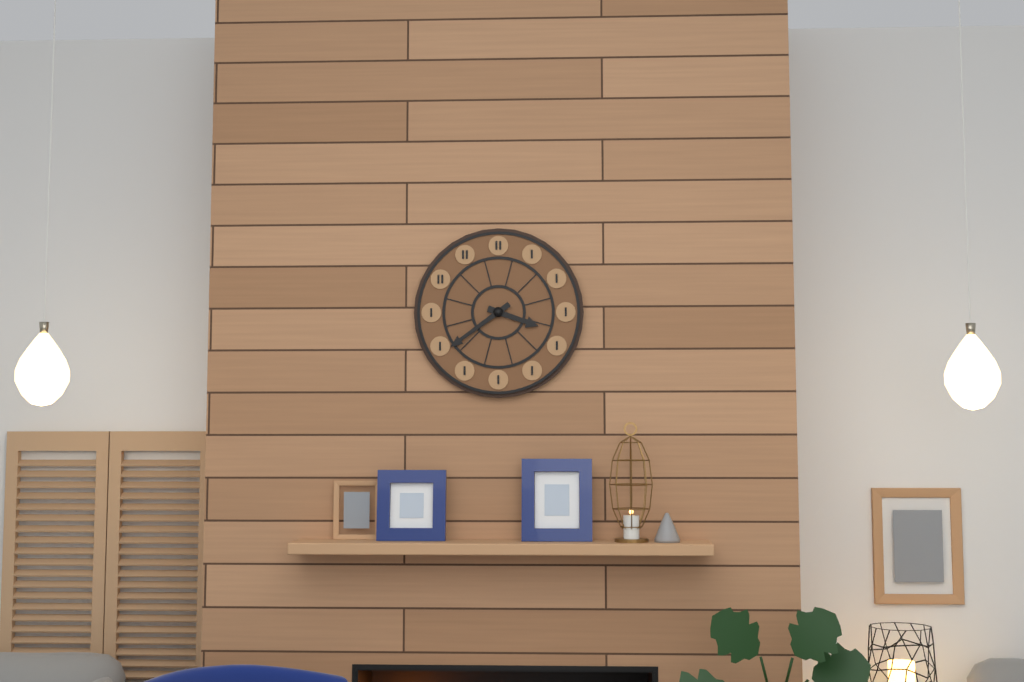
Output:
3,39
